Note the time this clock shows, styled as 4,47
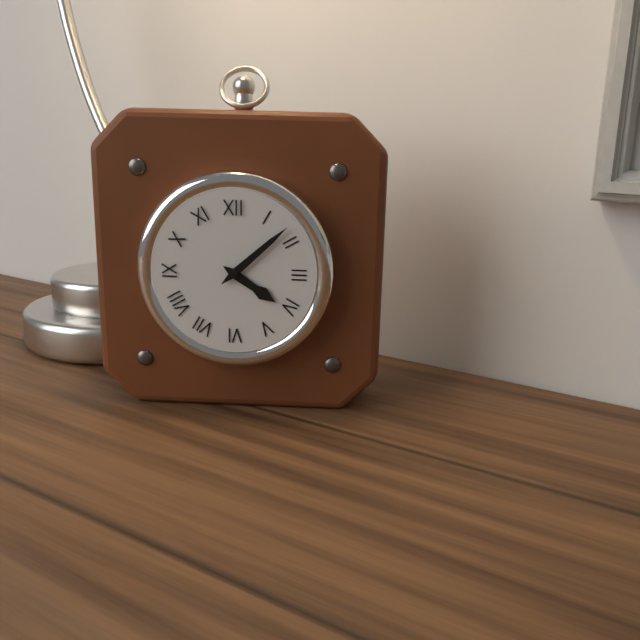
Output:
4,08
